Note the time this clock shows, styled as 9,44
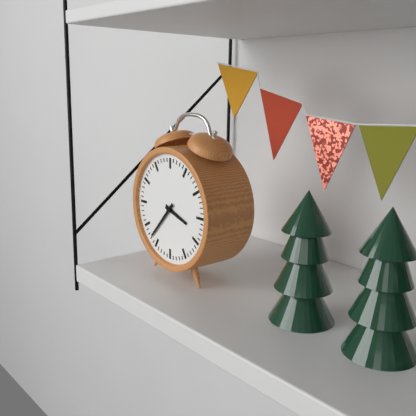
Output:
3,37
